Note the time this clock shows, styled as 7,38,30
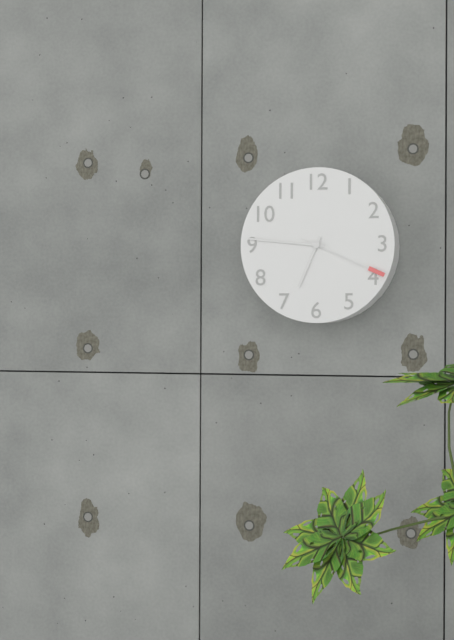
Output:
6,46,19
